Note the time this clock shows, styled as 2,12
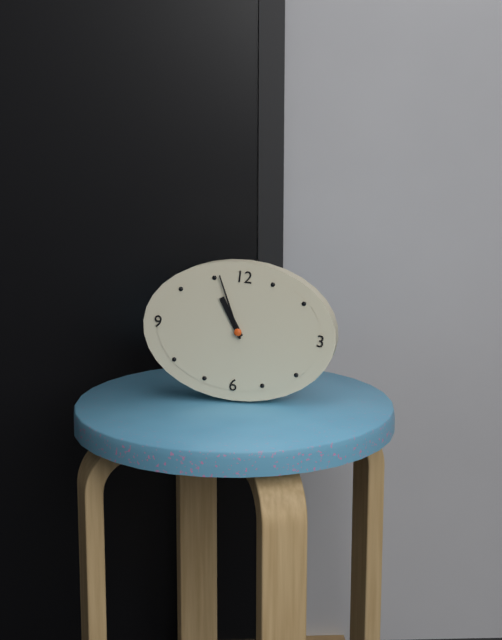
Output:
10,56
